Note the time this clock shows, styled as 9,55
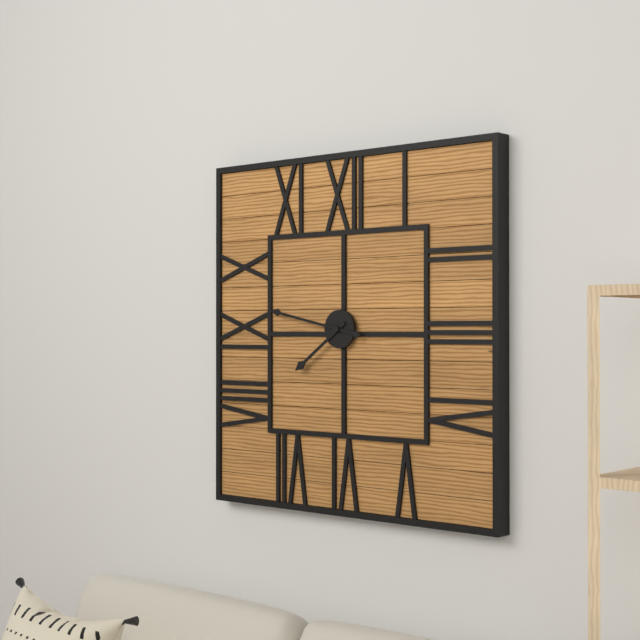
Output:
7,47
